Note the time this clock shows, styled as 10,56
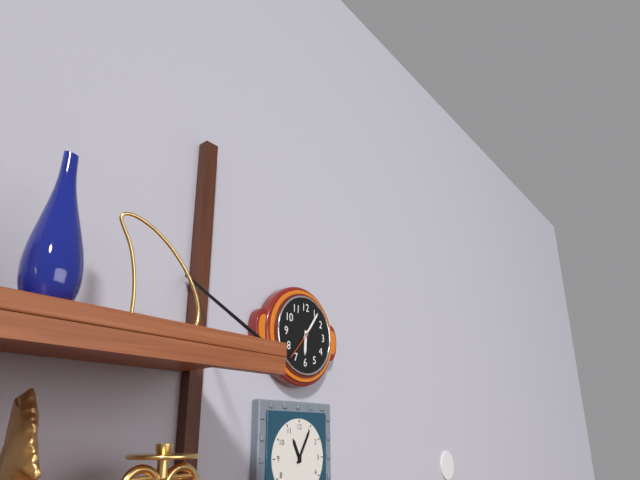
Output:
6,06
